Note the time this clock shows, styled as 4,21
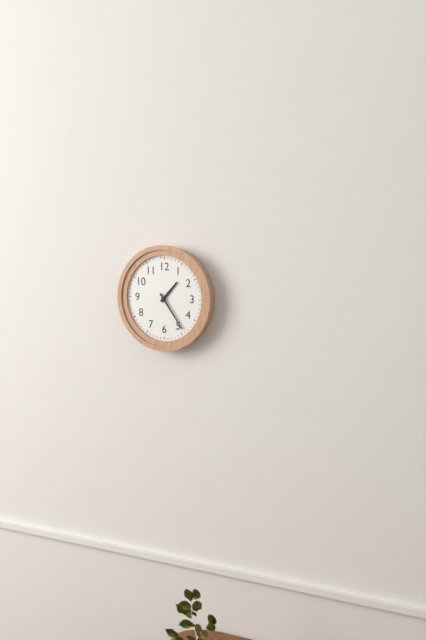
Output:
1,24
